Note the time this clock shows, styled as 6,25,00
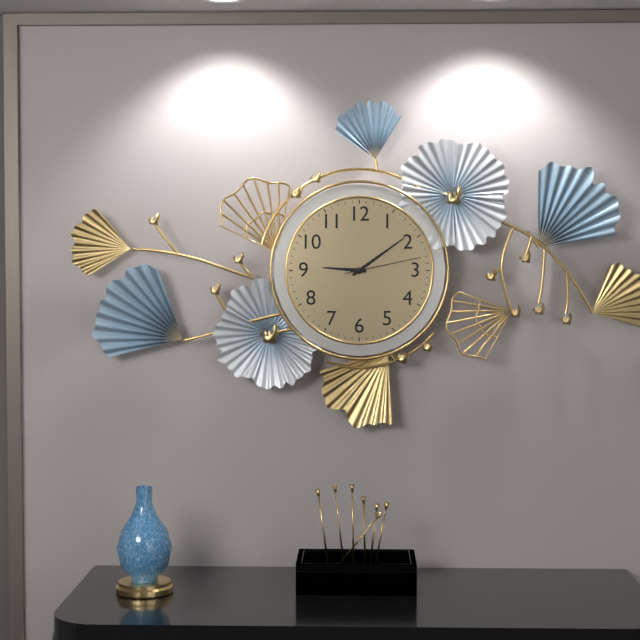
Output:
9,09,13
